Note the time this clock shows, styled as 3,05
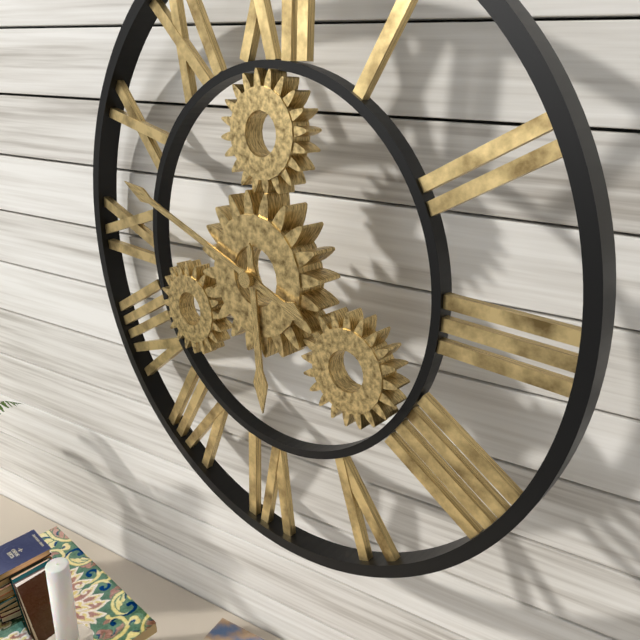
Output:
5,48
